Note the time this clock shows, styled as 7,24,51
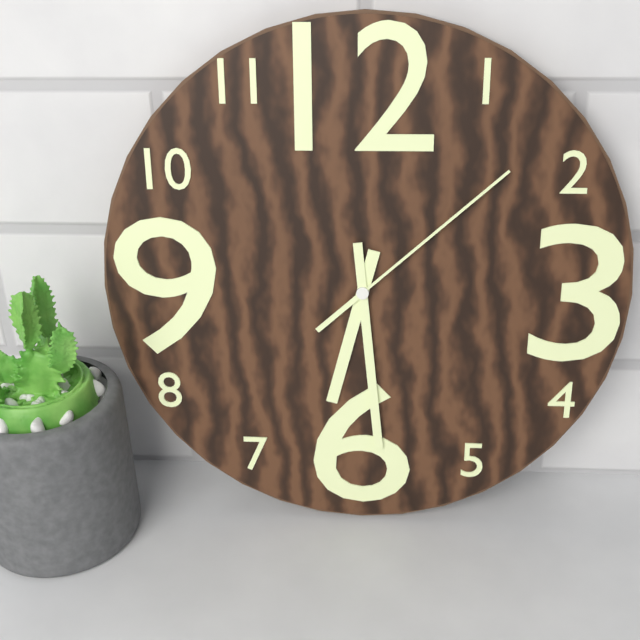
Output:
6,29,08
